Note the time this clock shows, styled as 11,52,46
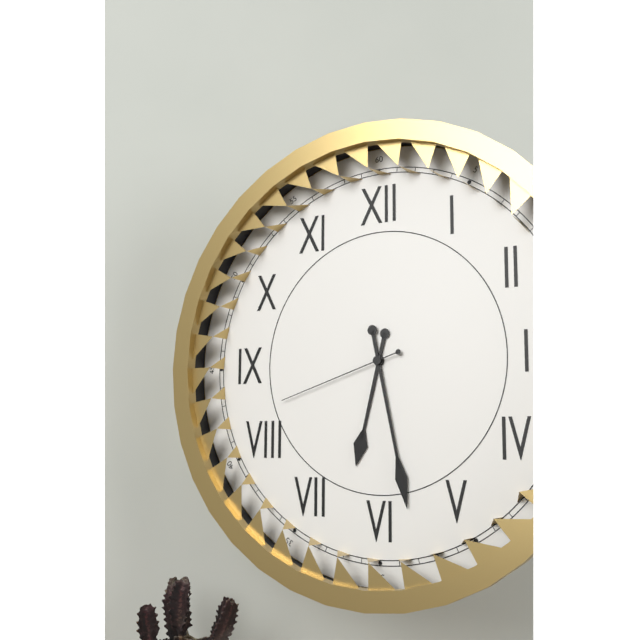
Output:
6,28,42
